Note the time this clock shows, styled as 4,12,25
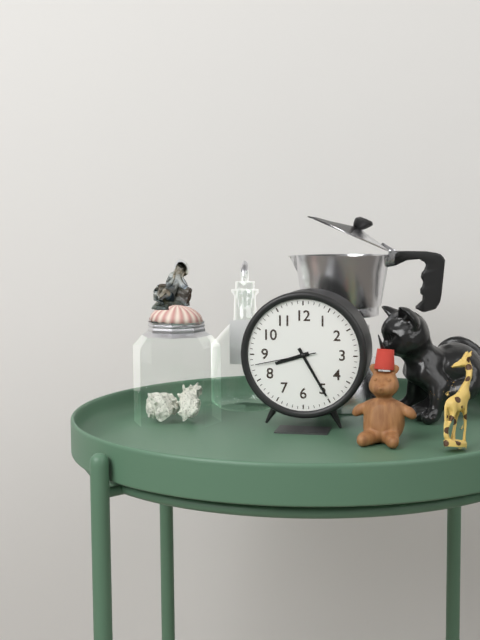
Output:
8,25,43
